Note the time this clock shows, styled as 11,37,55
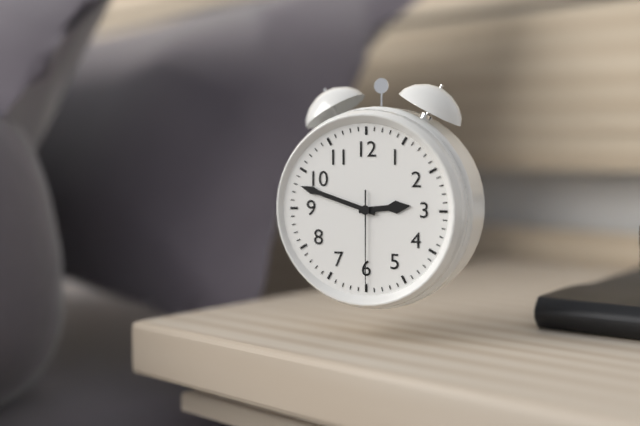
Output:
2,48,30
